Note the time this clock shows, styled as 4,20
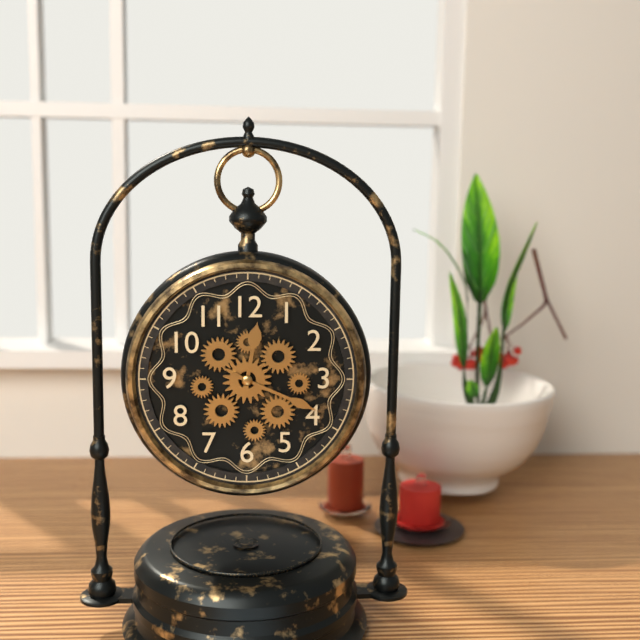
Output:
12,19
